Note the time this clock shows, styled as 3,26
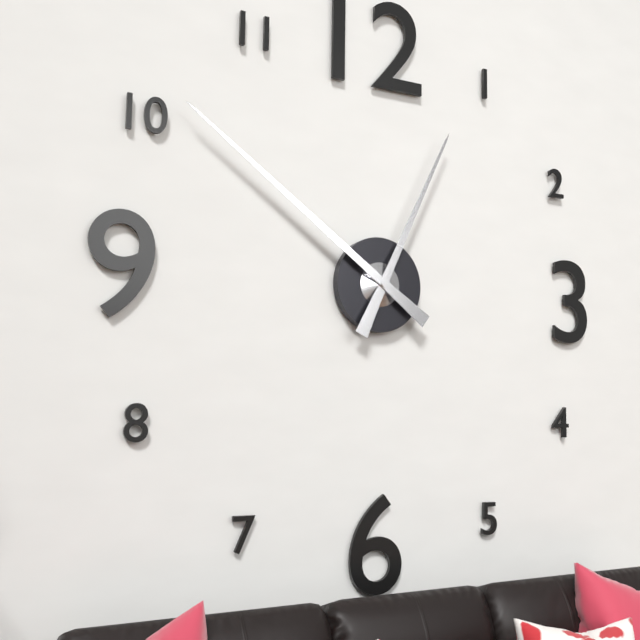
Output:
12,51
